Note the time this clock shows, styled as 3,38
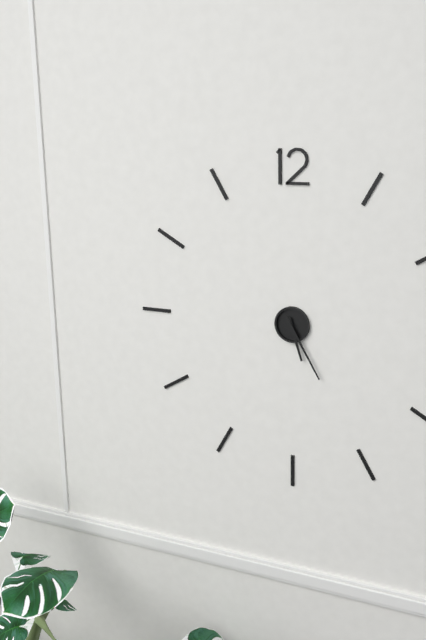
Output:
5,25
